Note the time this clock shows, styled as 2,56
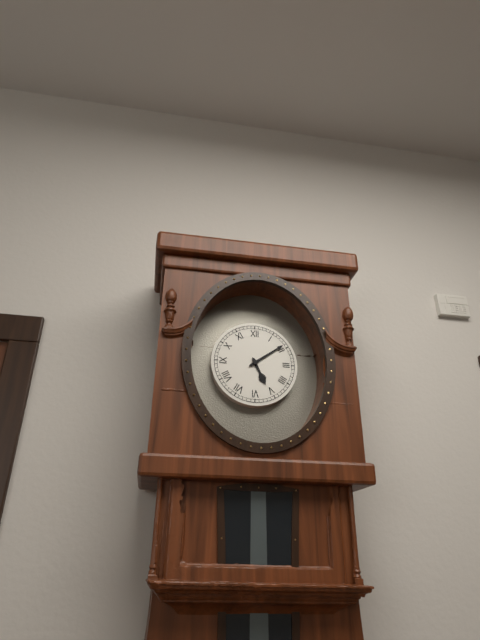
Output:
5,09
